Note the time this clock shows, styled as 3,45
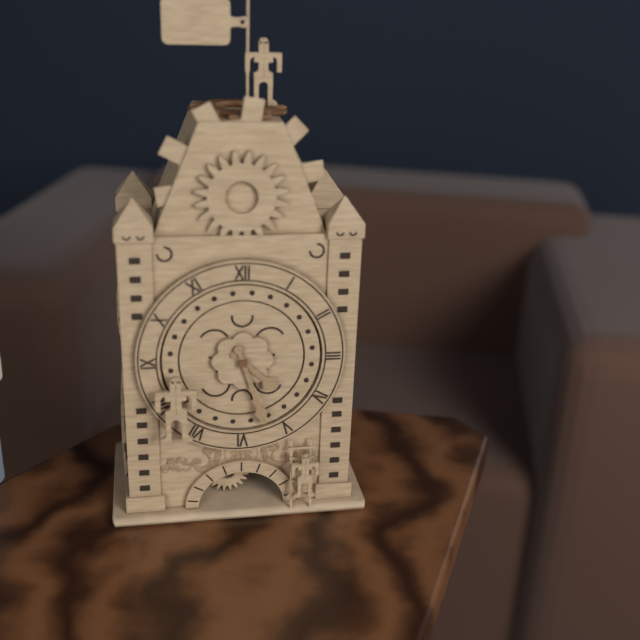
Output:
4,27
